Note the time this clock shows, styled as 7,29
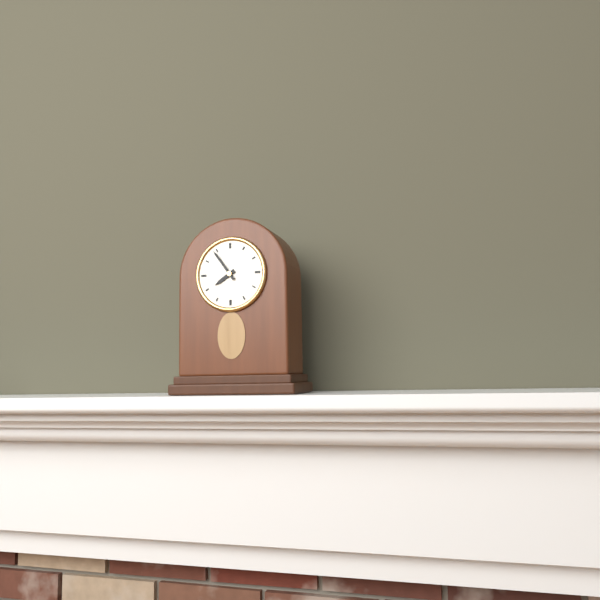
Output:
7,54
